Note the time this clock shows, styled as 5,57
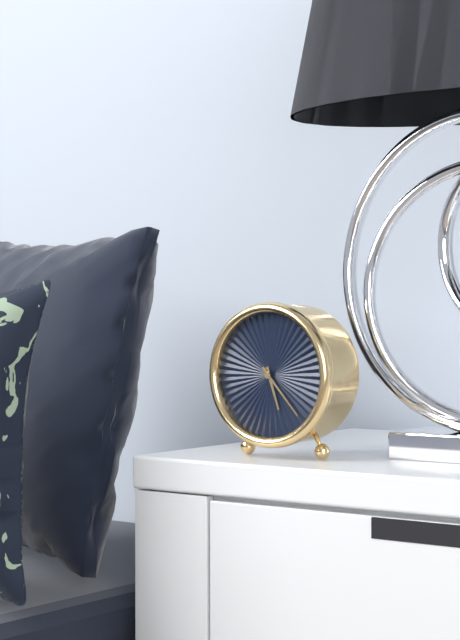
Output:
5,23
